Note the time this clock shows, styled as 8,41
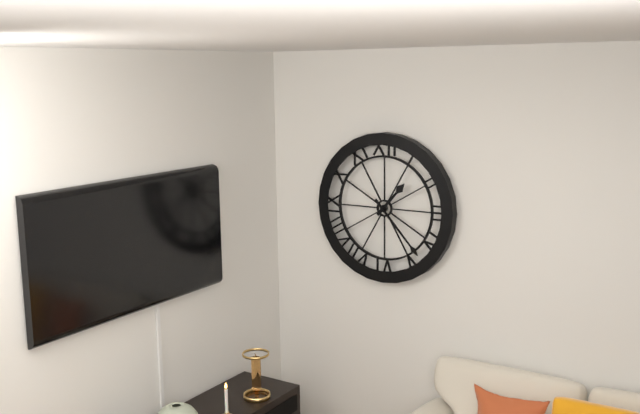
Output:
1,23
